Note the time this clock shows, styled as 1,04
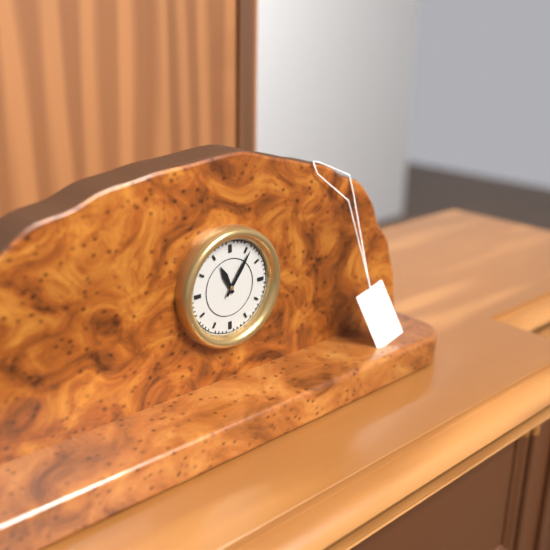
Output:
11,06
